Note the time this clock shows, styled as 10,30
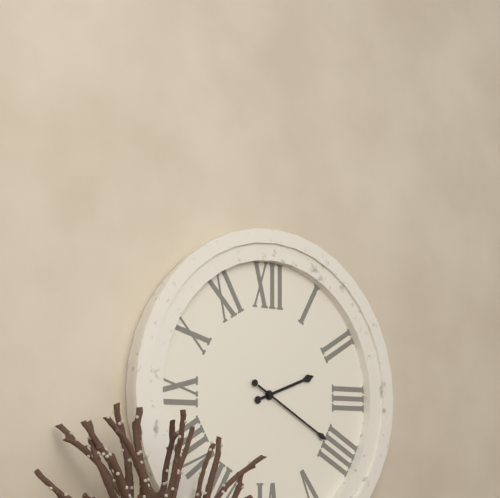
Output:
2,20
